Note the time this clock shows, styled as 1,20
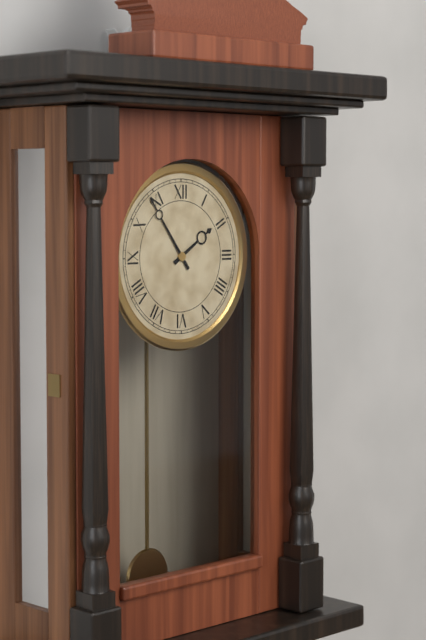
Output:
1,54
